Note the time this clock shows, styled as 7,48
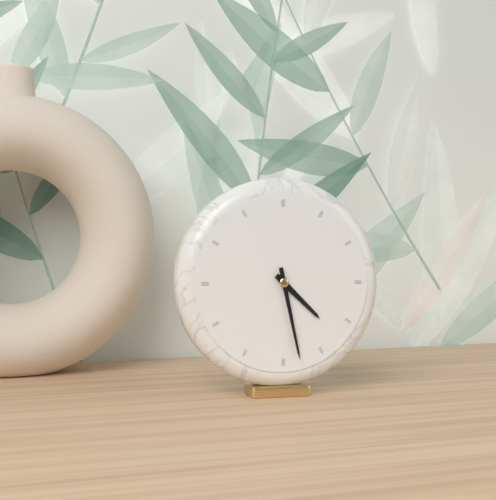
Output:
4,28
